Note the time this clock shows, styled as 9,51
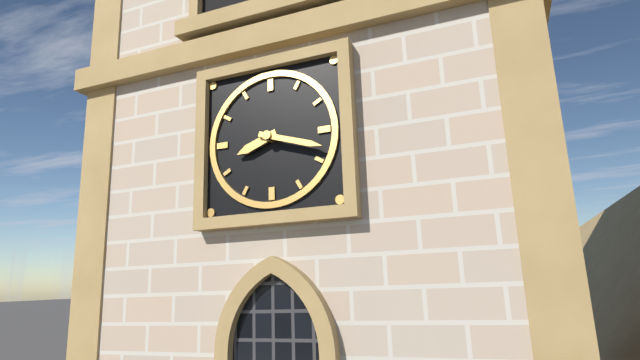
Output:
8,18
